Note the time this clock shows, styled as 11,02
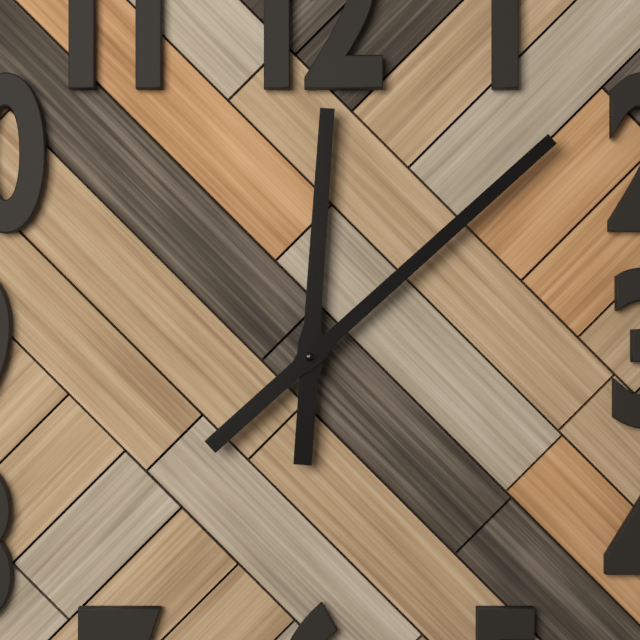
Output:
12,08
